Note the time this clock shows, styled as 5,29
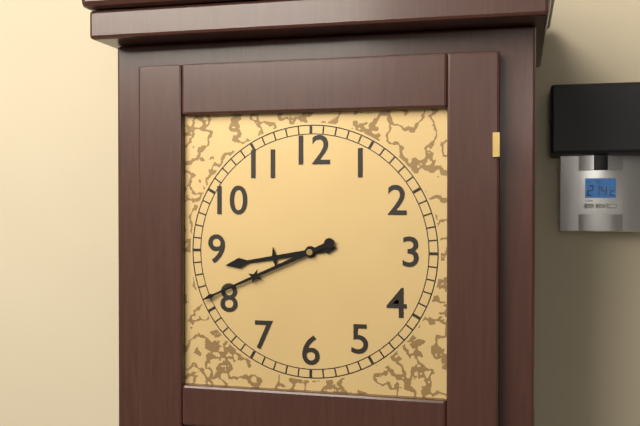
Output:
8,41
